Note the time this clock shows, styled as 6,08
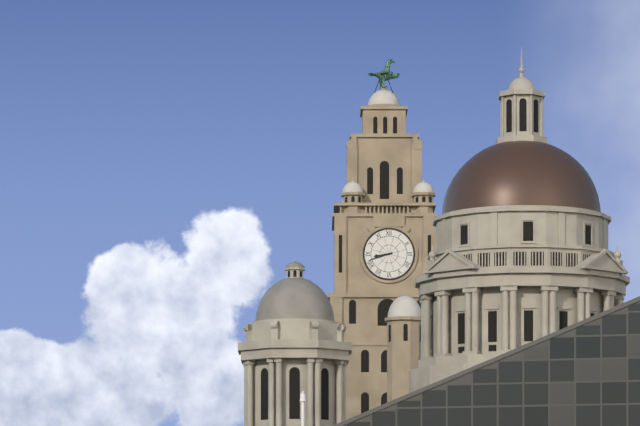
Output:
8,42
